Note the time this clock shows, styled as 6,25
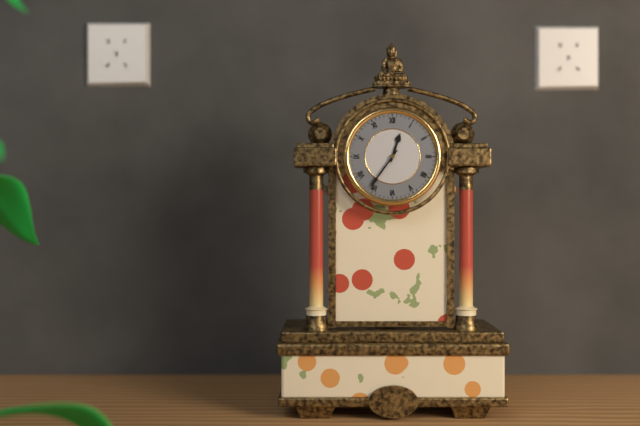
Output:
12,36
